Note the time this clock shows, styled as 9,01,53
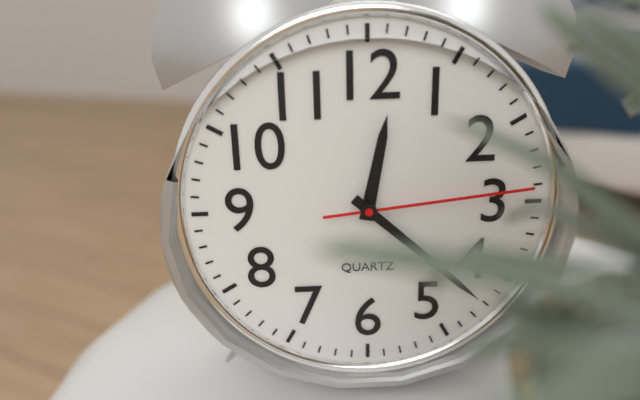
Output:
12,22,14
